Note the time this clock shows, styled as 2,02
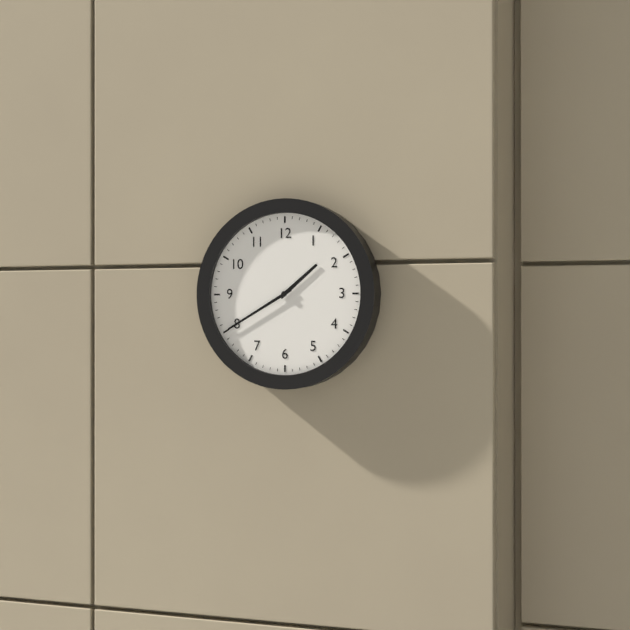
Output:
1,40
